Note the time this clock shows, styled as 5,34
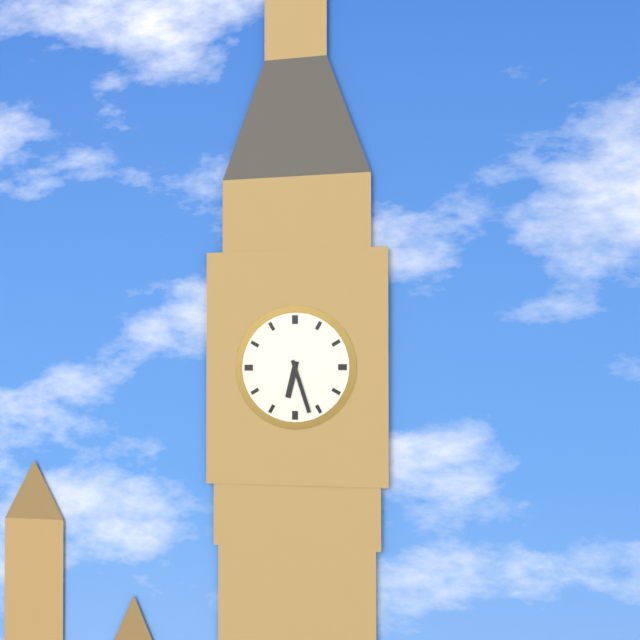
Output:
6,27
